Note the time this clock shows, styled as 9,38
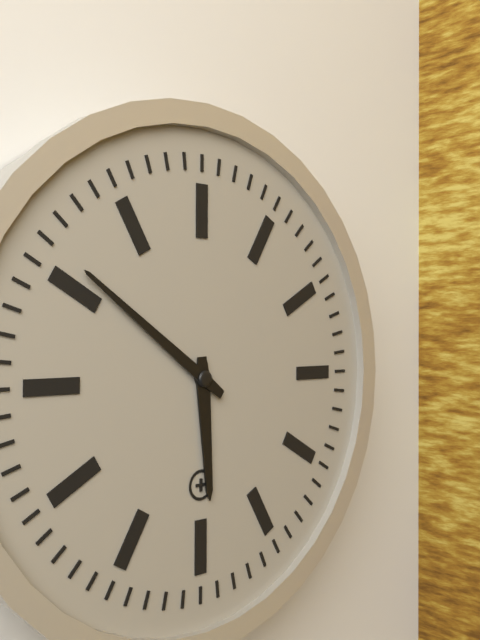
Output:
5,51
